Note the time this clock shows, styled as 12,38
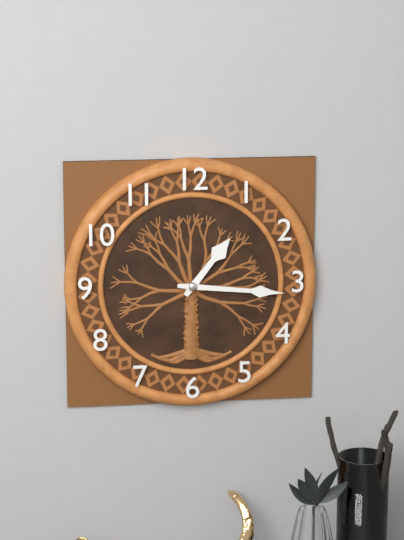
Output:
1,16
